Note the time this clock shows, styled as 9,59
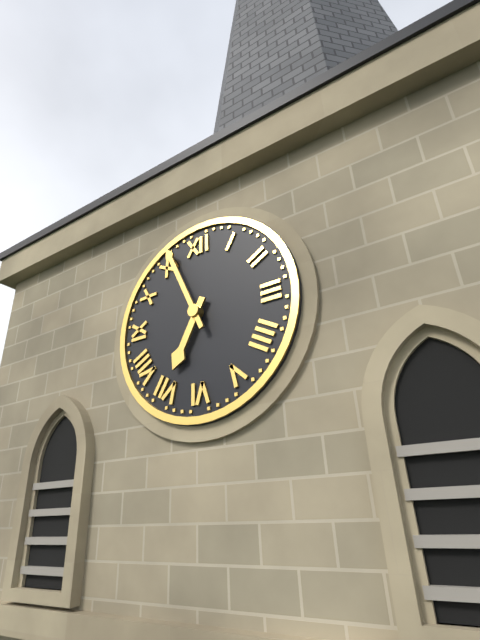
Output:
6,56
